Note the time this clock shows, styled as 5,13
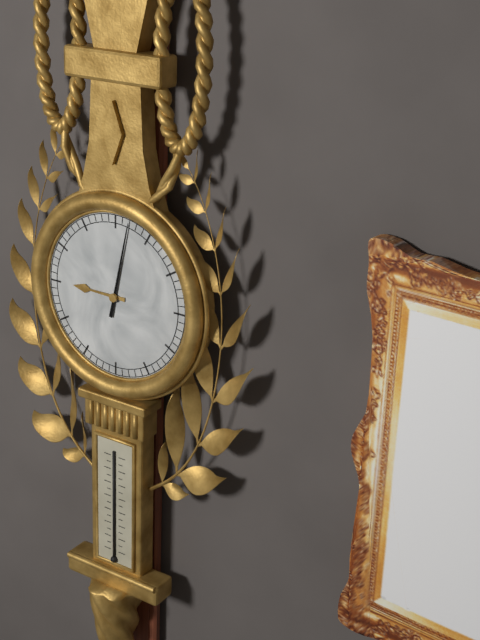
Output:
9,02
